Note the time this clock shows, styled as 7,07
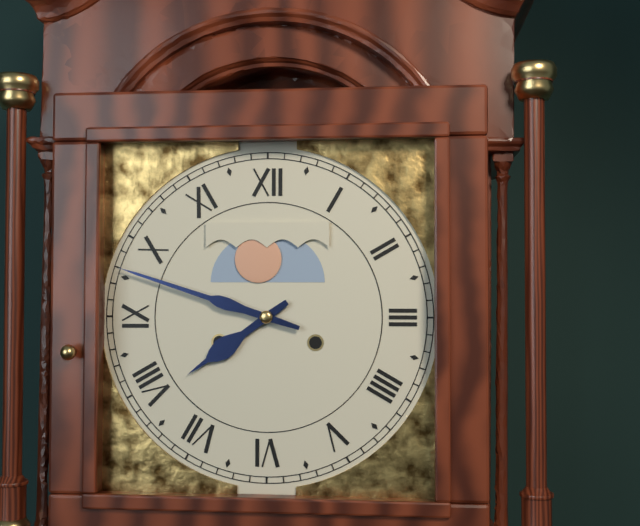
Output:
7,48
